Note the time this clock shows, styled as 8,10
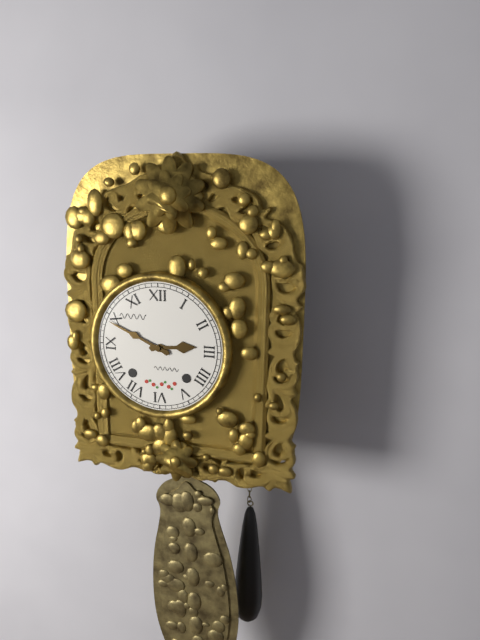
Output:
2,49
